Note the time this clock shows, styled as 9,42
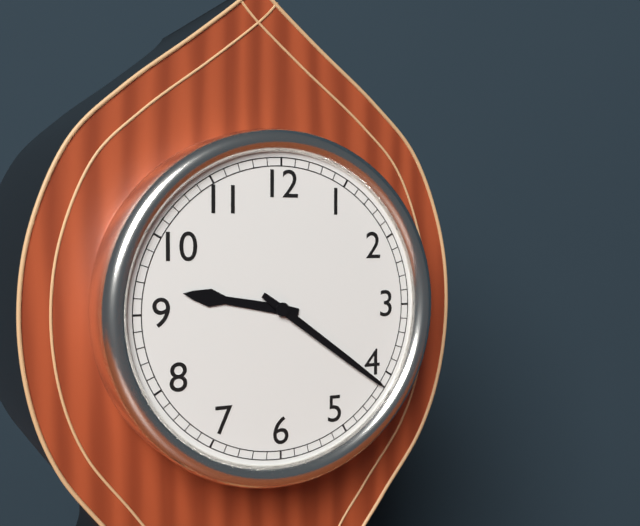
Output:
9,21
